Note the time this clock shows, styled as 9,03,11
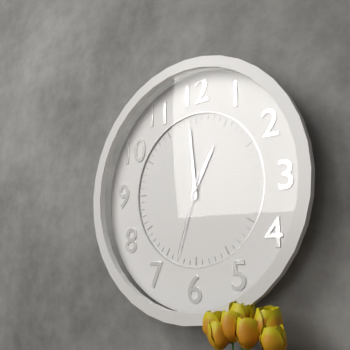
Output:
12,59,33
